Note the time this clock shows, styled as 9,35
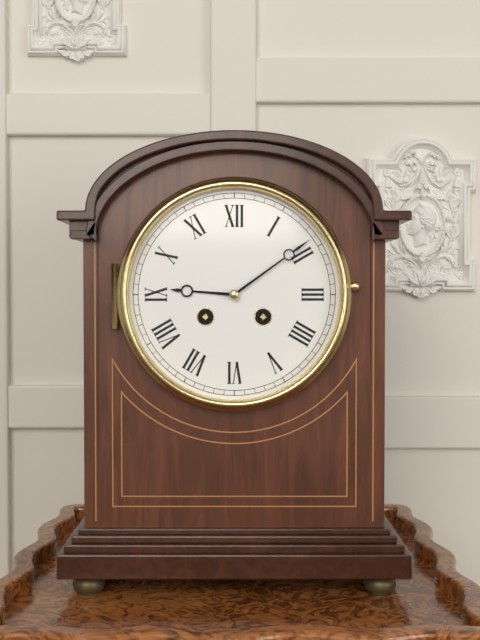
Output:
9,09
